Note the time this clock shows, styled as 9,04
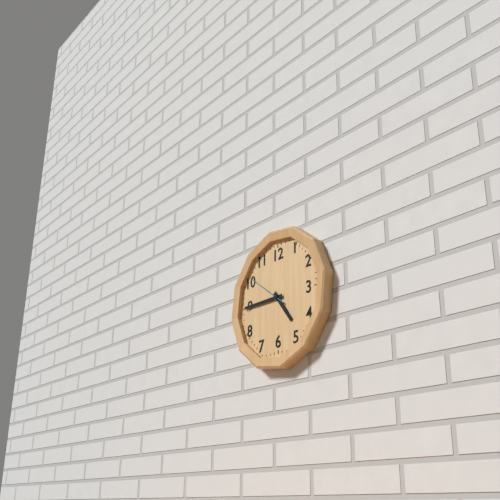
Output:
4,45
